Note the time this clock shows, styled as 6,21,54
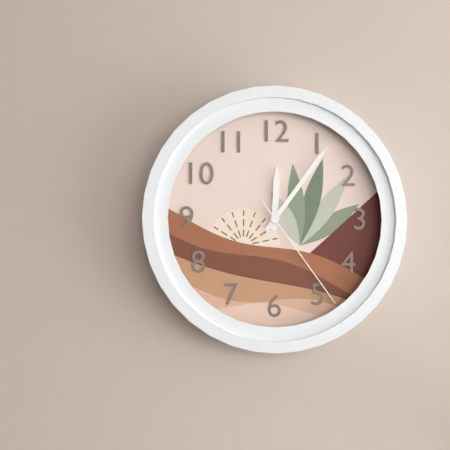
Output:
12,06,24
